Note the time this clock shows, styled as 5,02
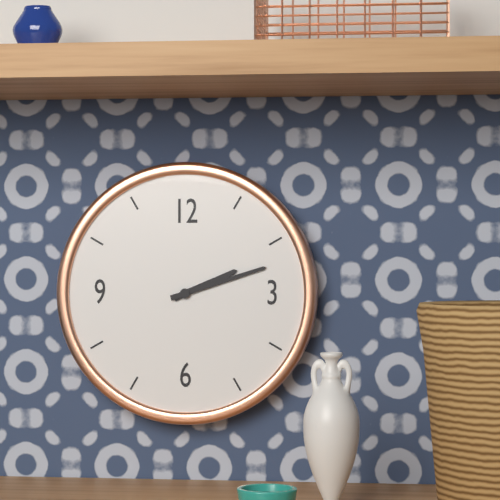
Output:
2,12
